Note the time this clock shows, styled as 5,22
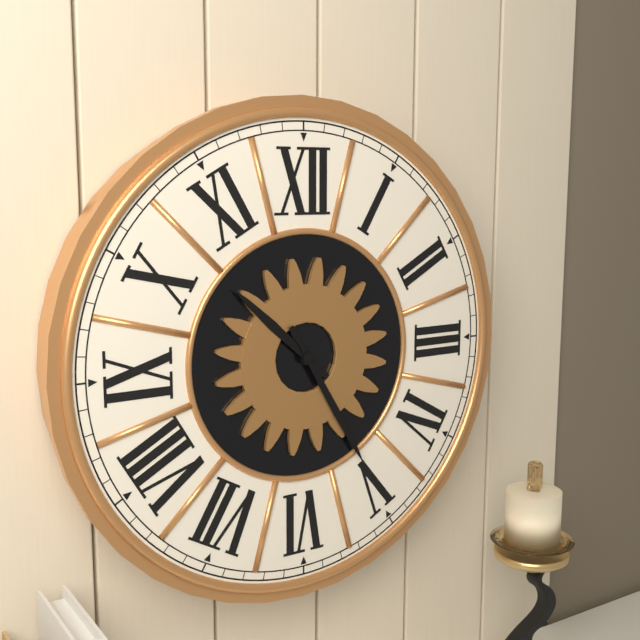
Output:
10,25
